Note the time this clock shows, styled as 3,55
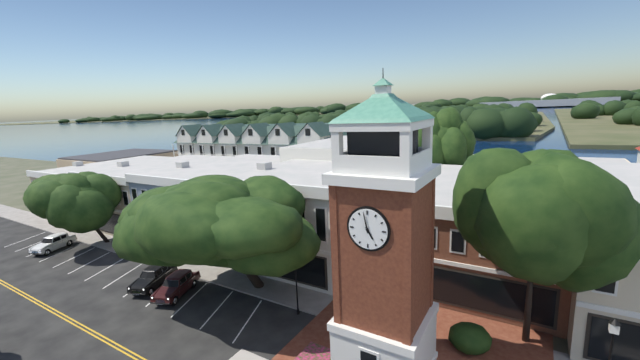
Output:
4,58
